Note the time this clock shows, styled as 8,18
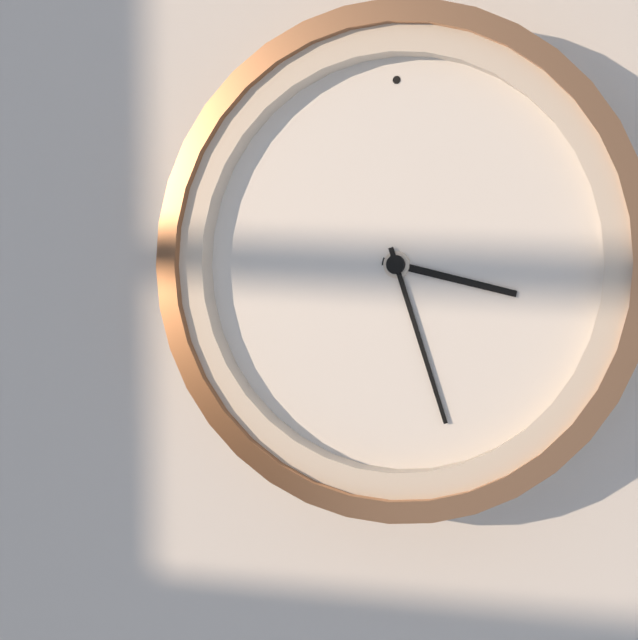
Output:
3,27
